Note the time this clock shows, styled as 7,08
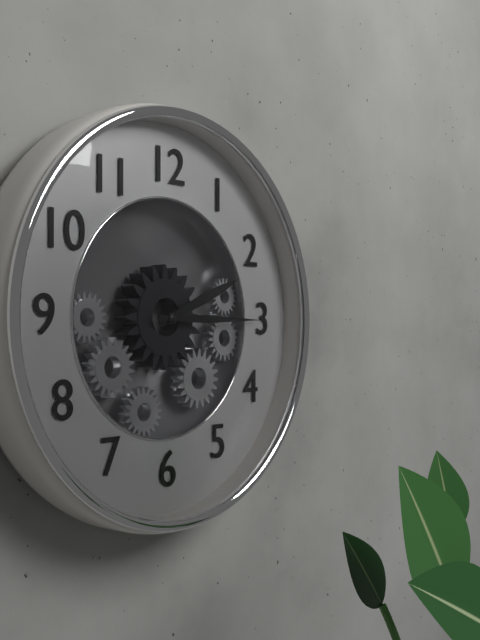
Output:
2,15
